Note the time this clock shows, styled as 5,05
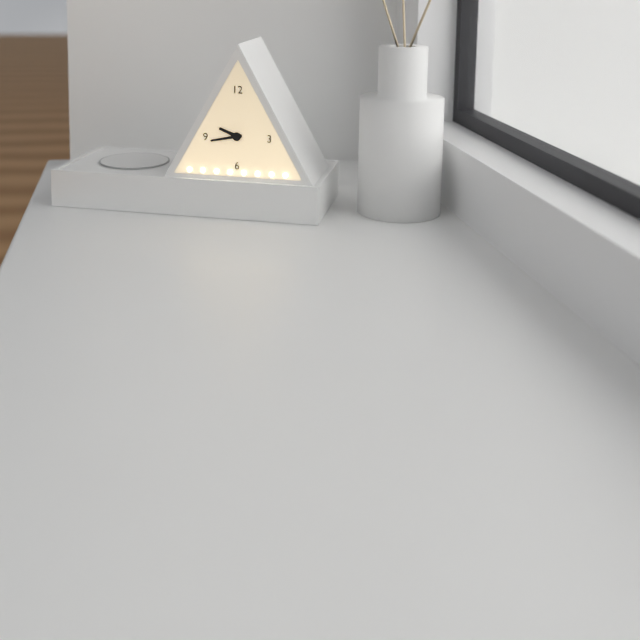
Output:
9,43
